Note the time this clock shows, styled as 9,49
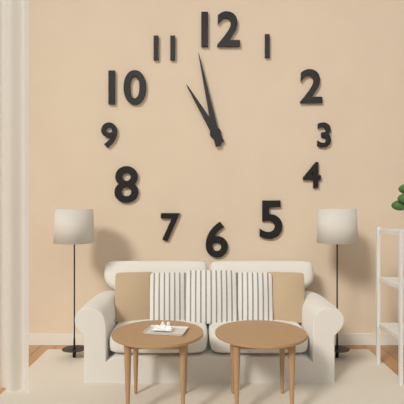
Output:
10,58
